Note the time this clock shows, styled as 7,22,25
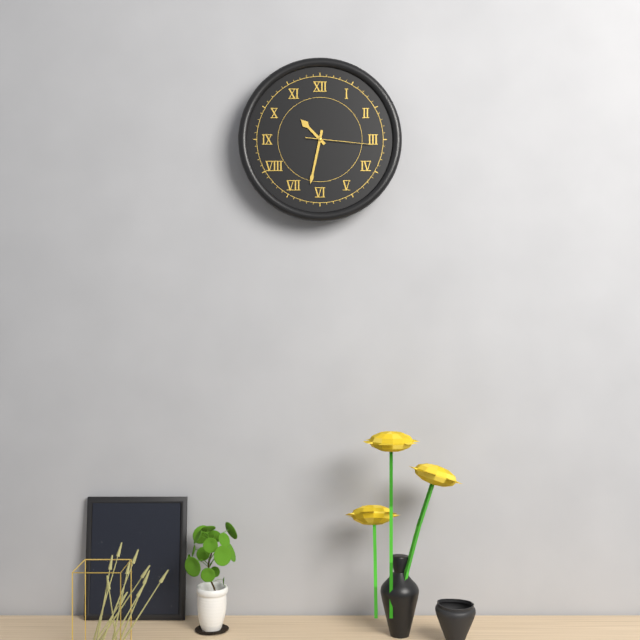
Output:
10,32,16
